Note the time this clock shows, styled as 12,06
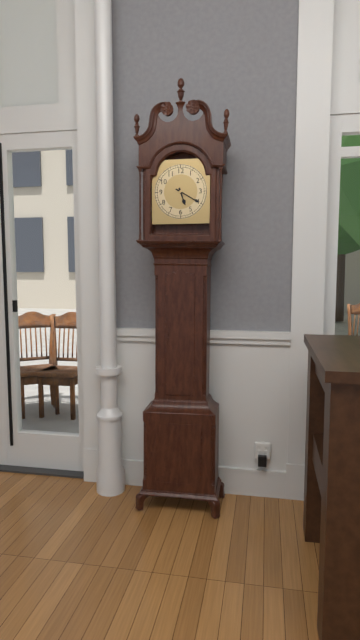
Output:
5,20
